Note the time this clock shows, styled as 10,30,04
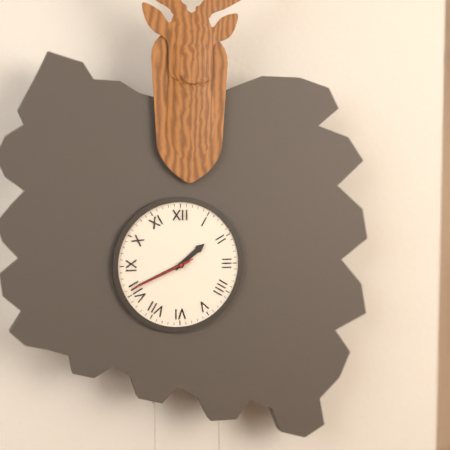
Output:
1,41,41
